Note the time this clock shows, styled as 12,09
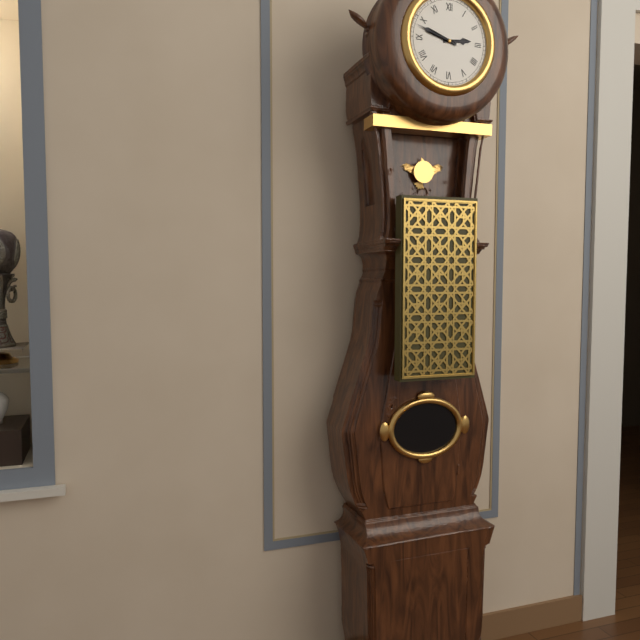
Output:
2,48
